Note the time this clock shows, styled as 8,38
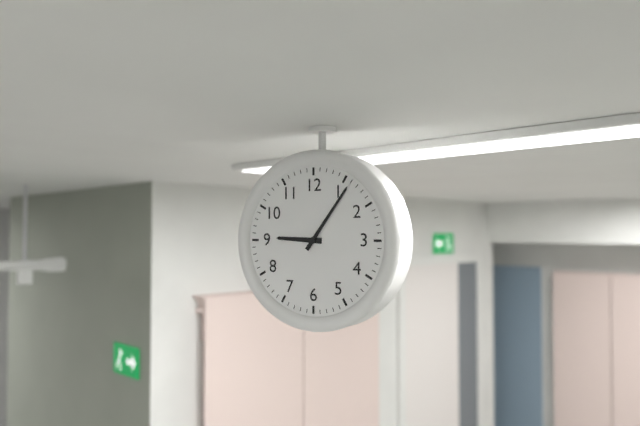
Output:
9,06
